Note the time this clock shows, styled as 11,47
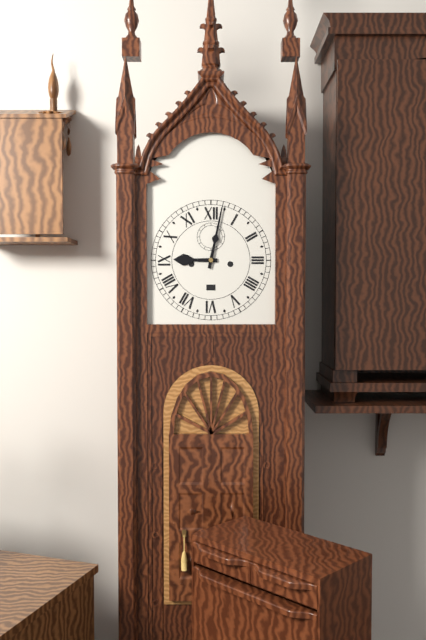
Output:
9,02
